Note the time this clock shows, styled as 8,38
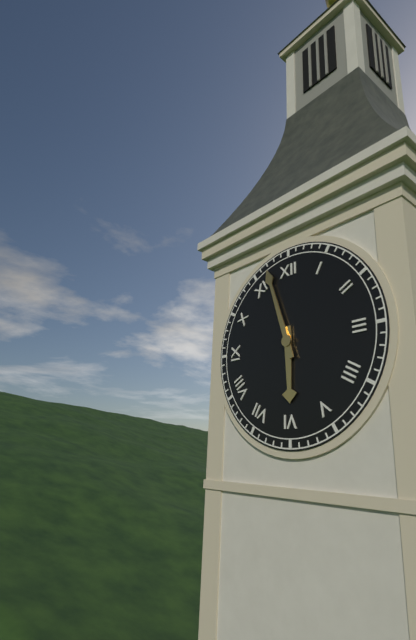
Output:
5,57
